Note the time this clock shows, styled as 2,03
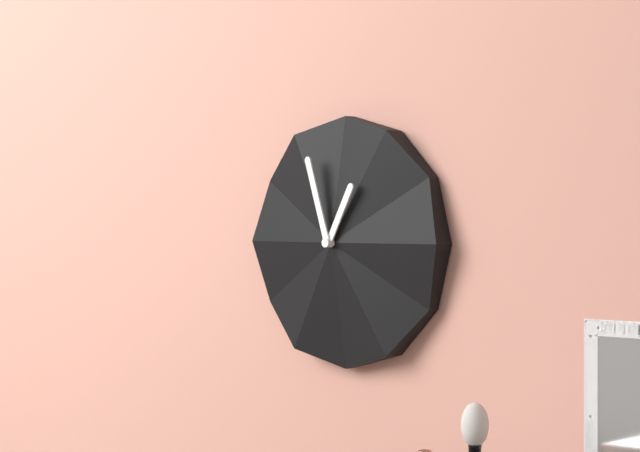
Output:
12,57
